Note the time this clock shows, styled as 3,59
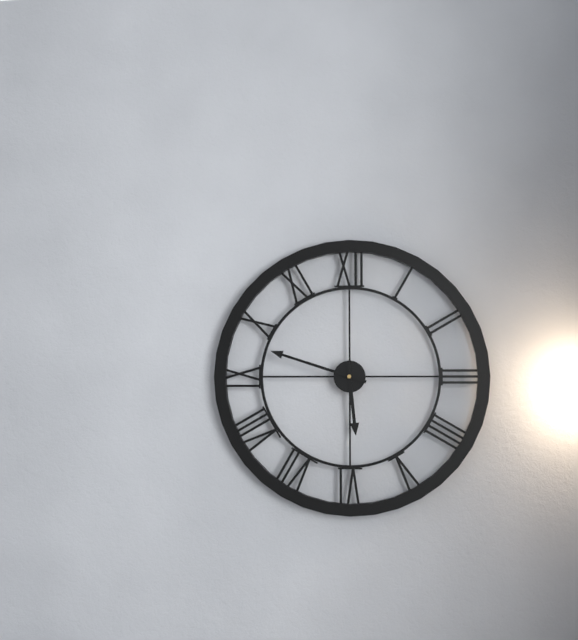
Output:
5,48
